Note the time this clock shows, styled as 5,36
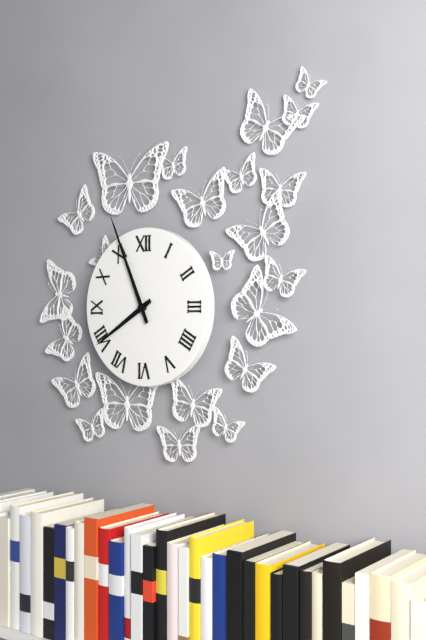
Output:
7,56
